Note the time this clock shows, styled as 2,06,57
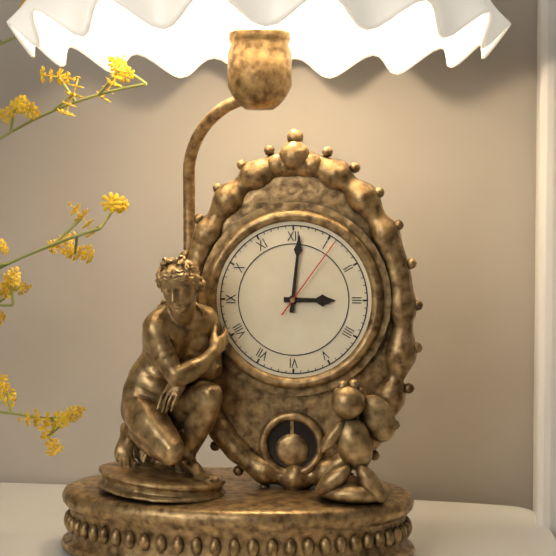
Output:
3,01,06
